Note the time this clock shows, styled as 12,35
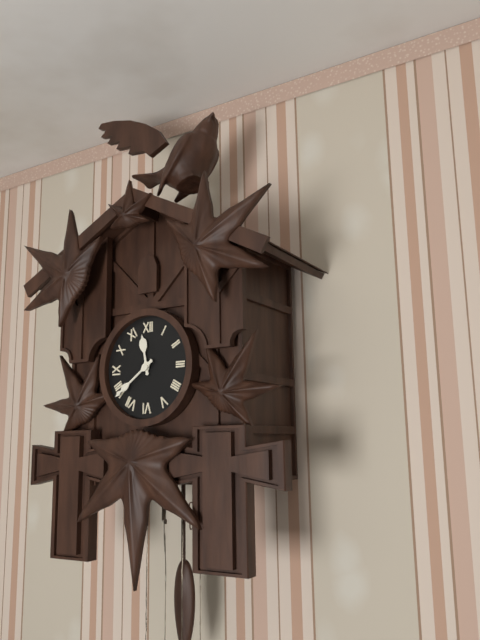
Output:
11,39
